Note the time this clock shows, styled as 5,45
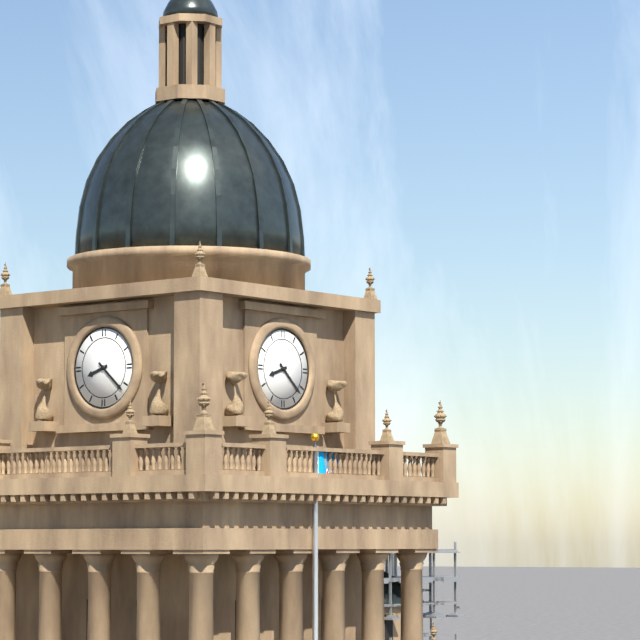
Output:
8,22
